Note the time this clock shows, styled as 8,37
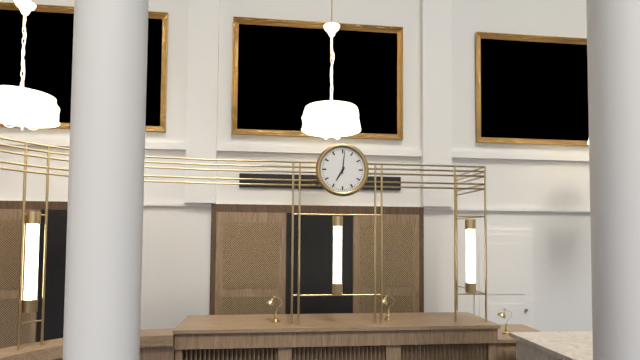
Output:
7,01
